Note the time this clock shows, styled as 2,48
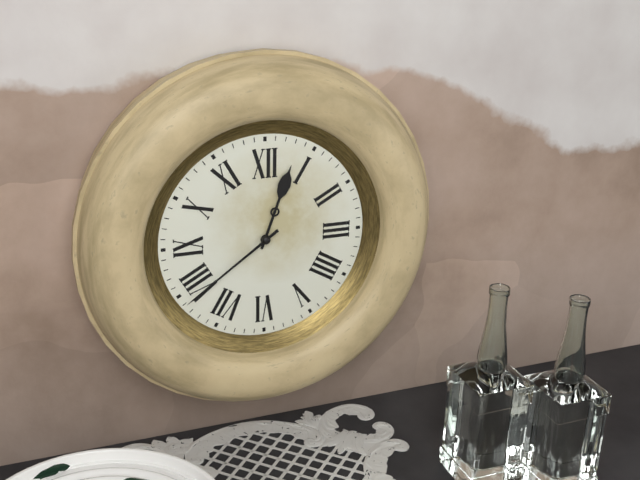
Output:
12,39
